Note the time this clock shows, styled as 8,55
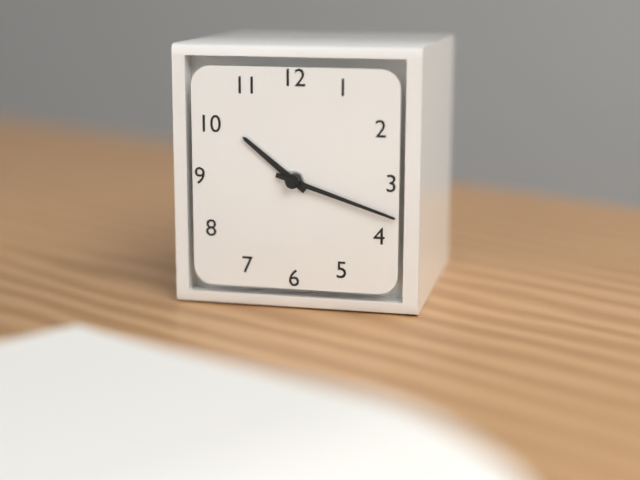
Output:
10,18
